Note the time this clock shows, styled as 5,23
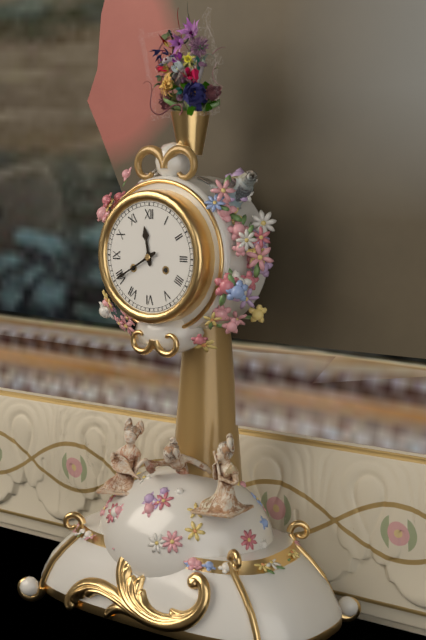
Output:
11,40
